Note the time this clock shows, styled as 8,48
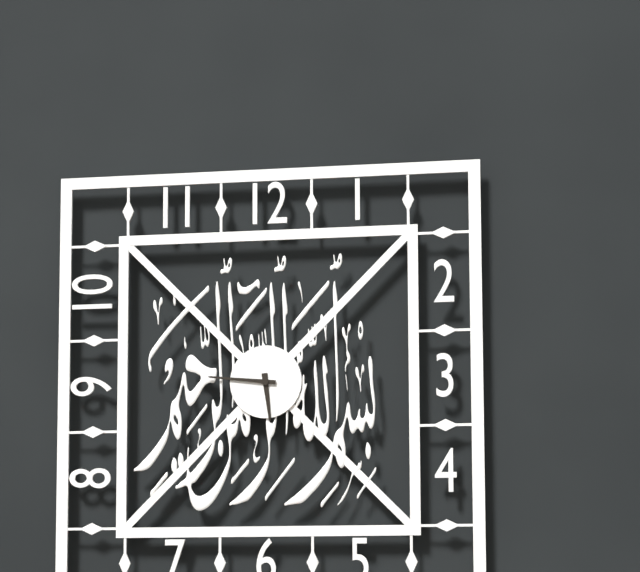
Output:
5,46
